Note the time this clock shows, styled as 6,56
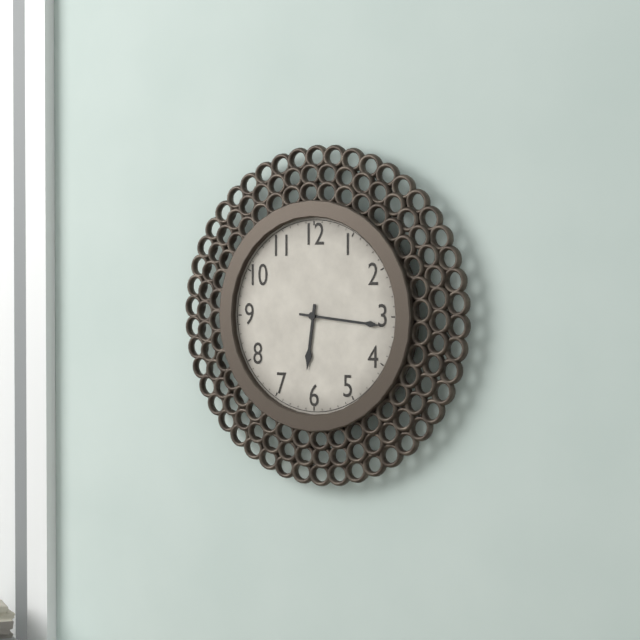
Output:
6,16
